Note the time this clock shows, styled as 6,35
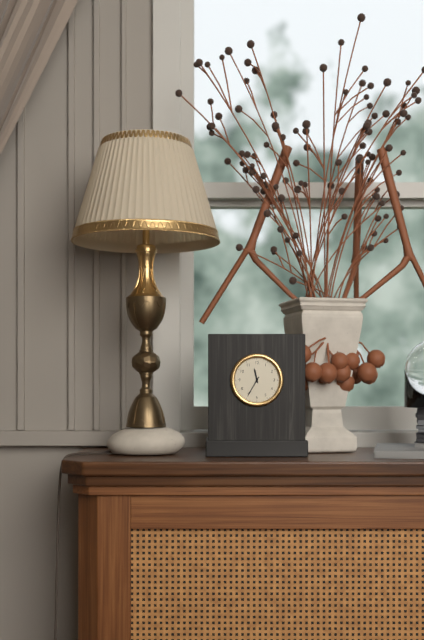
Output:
11,35
